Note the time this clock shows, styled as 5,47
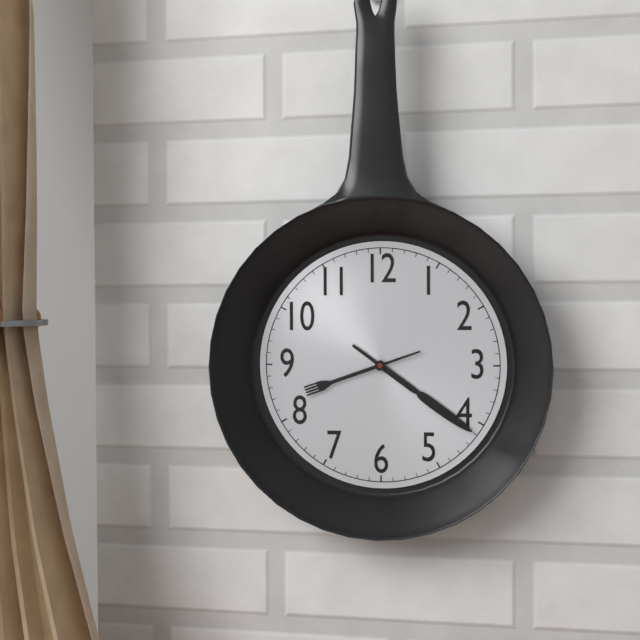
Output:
8,21
